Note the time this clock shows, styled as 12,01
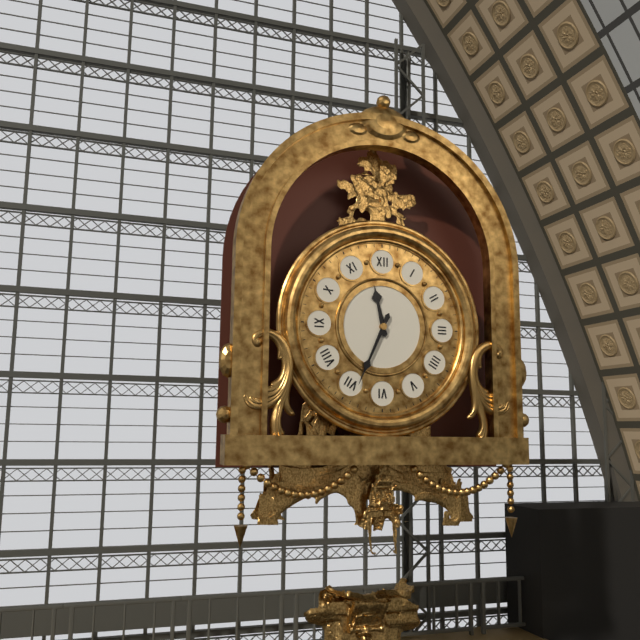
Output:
11,34
